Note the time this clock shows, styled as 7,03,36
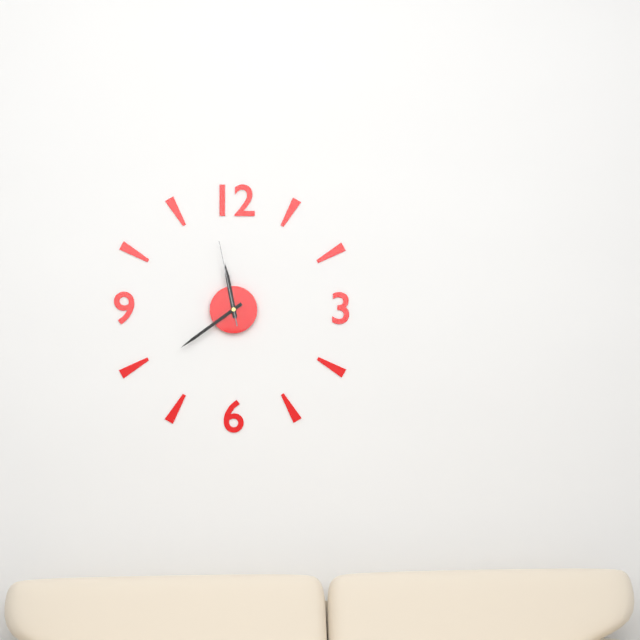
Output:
11,39,58
